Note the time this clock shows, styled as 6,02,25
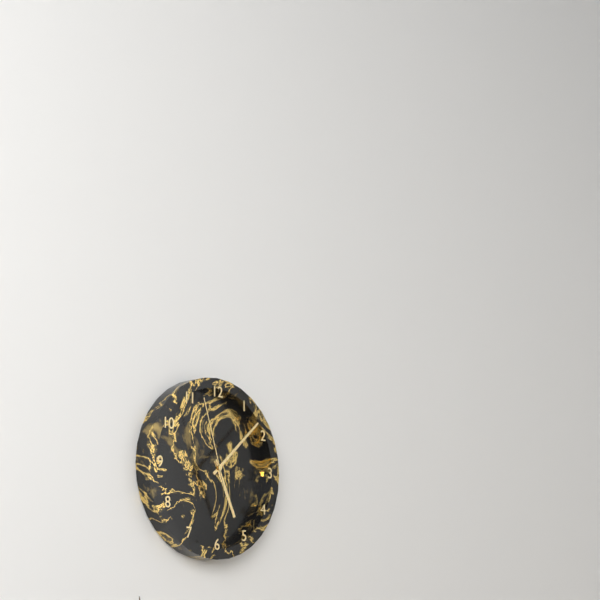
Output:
5,08,57
